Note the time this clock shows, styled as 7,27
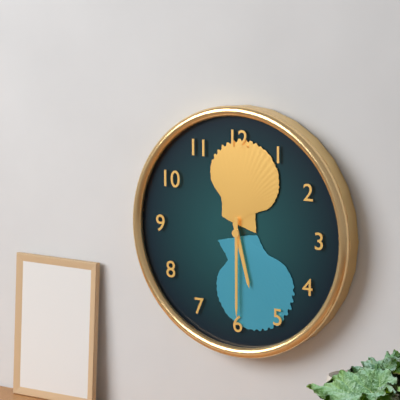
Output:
5,30
